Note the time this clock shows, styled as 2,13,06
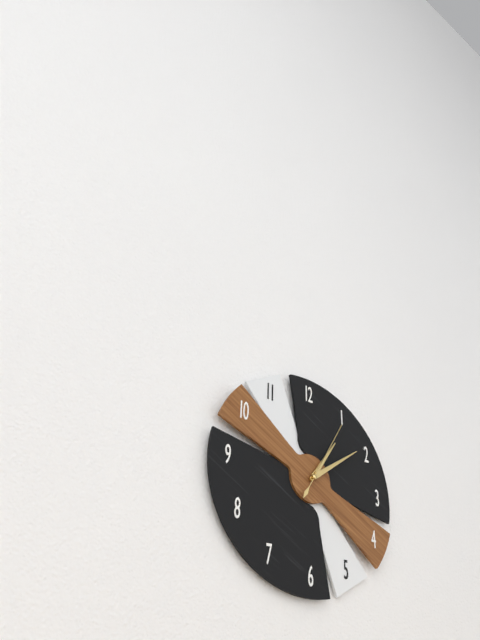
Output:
1,09,05
